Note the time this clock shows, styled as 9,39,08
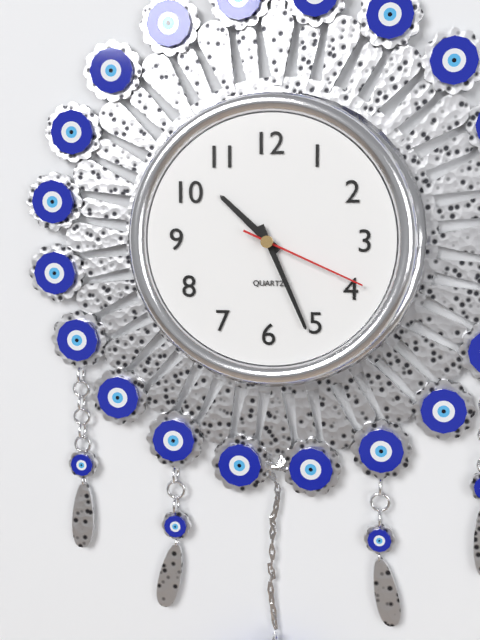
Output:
10,26,19
